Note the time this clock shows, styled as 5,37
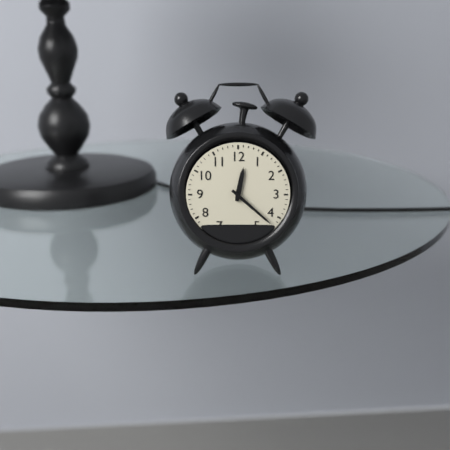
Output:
12,22
